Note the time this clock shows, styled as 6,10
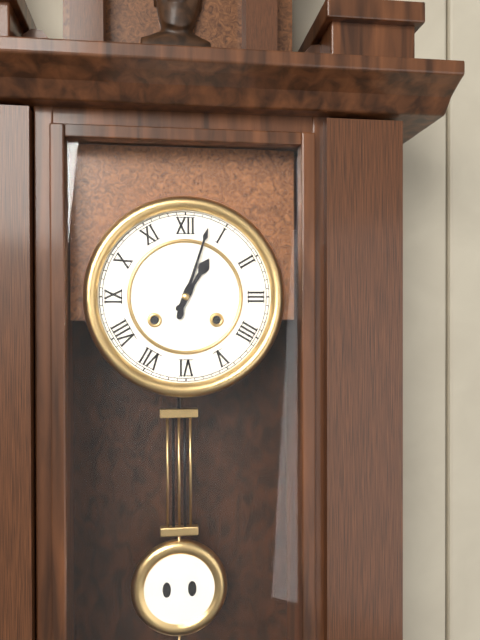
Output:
1,03
